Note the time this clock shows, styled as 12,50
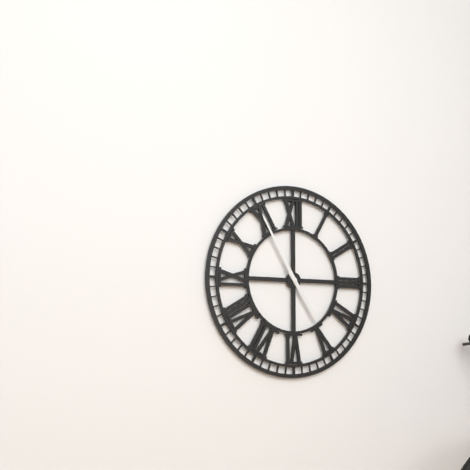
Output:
4,55
